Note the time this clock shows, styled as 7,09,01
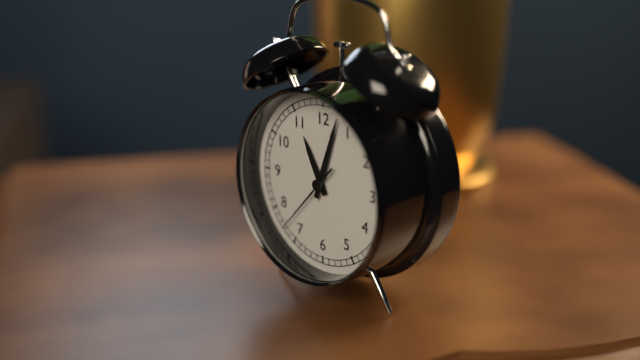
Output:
11,03,37
